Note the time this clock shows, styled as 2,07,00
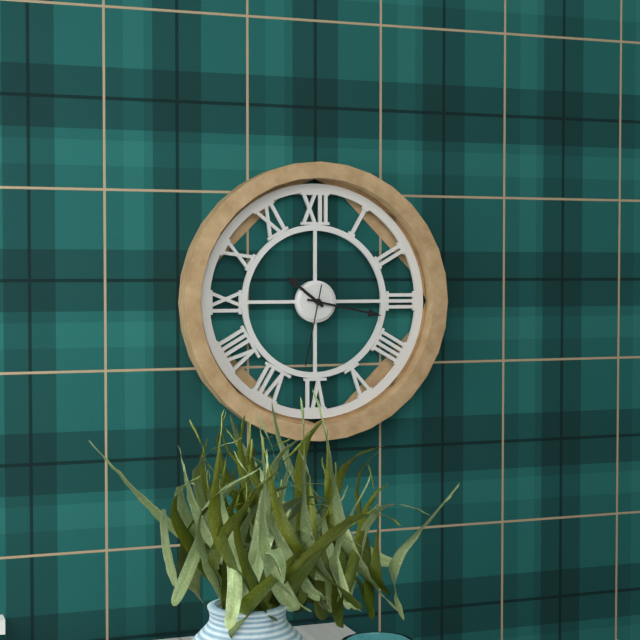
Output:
10,17,32
